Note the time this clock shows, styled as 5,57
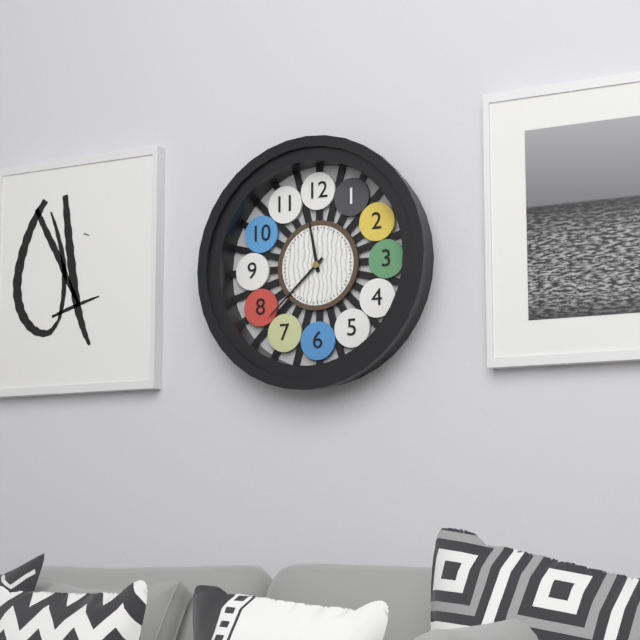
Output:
11,38
